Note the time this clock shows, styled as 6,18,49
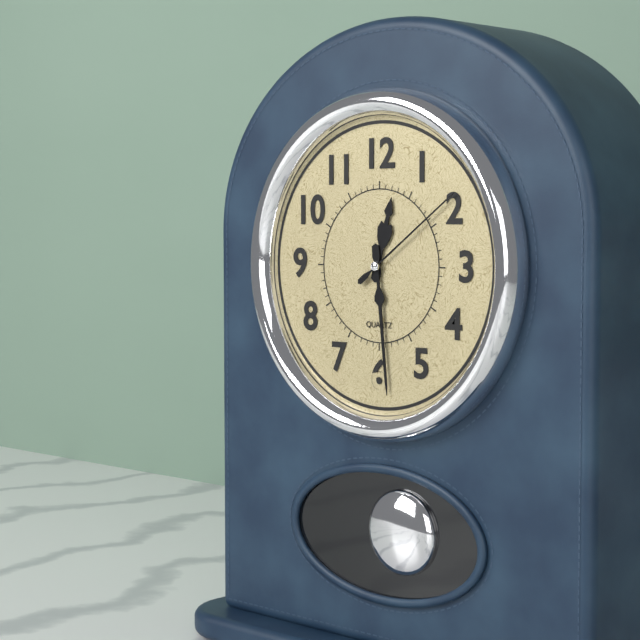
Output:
12,29,09
